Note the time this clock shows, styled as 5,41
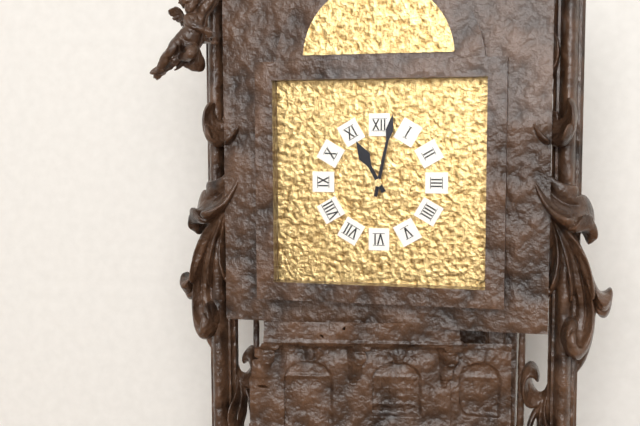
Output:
11,02
